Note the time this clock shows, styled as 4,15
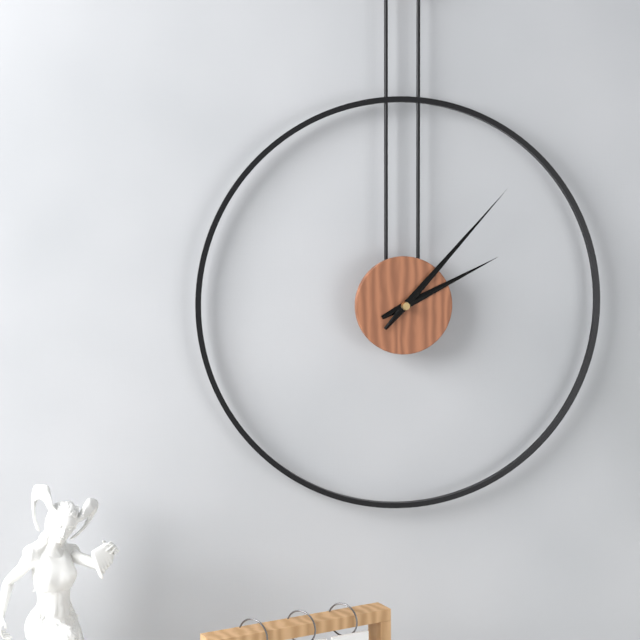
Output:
2,07
